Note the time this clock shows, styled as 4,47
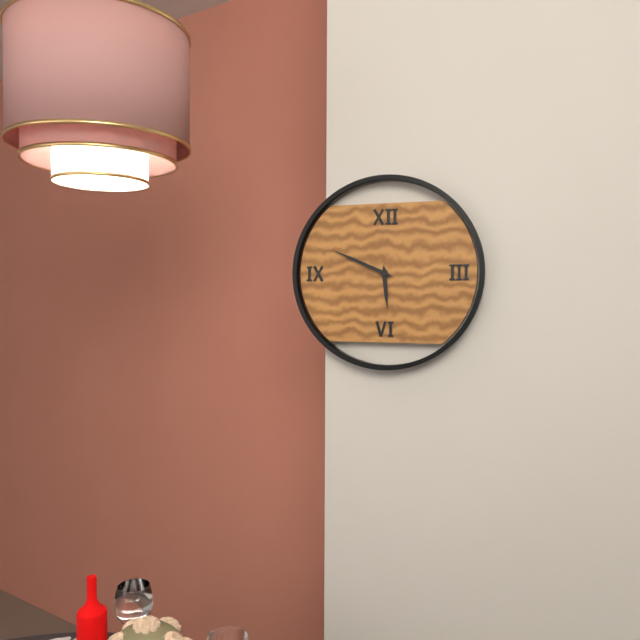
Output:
5,49
